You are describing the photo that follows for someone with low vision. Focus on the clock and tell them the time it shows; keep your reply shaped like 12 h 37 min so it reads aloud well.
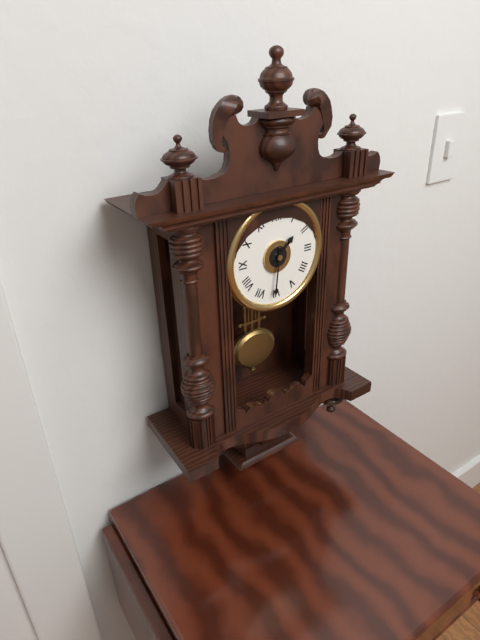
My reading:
1 h 31 min
